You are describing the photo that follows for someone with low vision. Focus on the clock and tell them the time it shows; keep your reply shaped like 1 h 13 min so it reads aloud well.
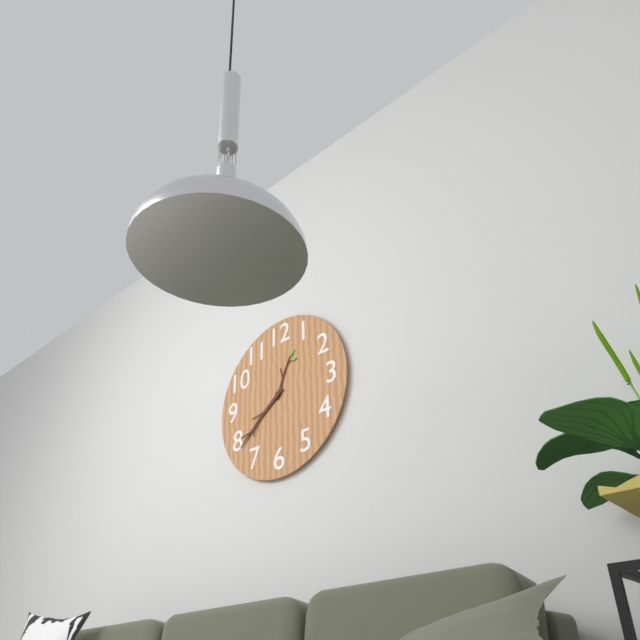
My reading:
12 h 39 min
